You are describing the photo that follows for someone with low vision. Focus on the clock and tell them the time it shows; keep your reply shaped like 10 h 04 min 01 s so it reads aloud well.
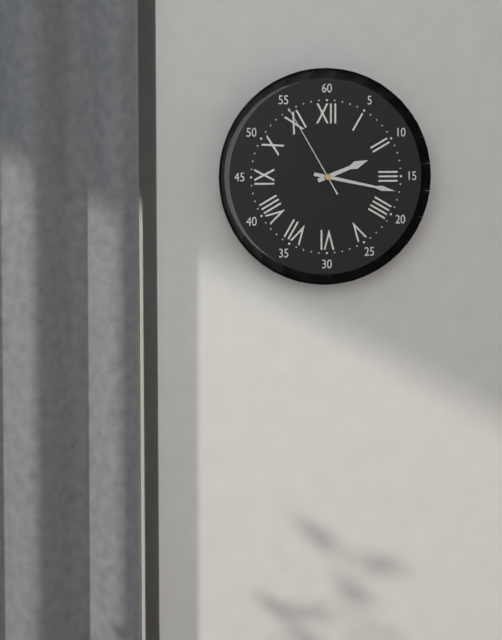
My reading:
2 h 17 min 55 s
